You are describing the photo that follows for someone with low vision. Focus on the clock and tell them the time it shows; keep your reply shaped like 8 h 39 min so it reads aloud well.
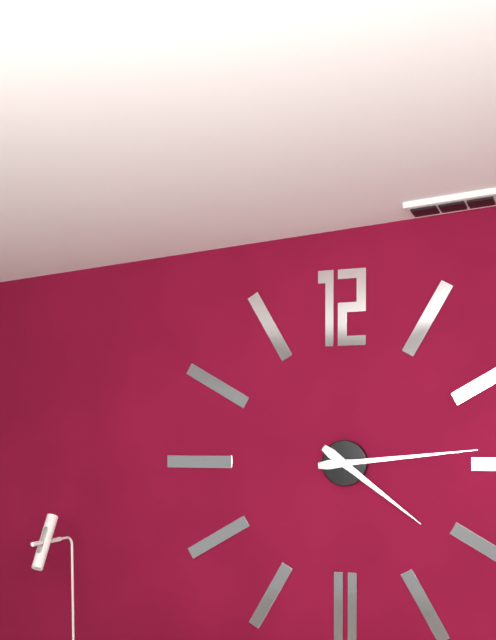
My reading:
4 h 14 min
